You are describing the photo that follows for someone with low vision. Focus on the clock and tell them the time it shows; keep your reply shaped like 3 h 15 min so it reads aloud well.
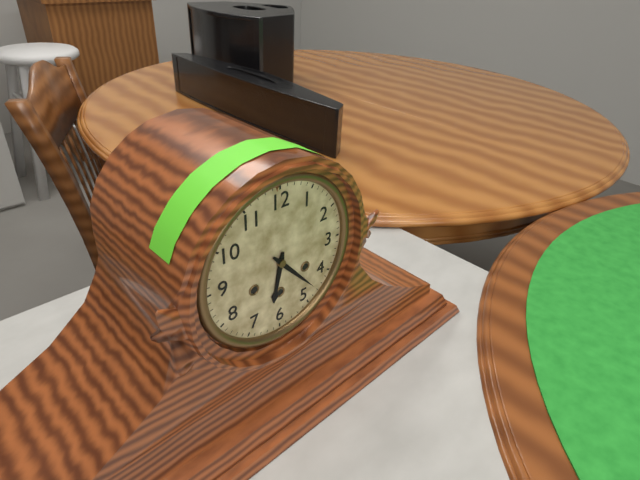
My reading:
6 h 23 min
